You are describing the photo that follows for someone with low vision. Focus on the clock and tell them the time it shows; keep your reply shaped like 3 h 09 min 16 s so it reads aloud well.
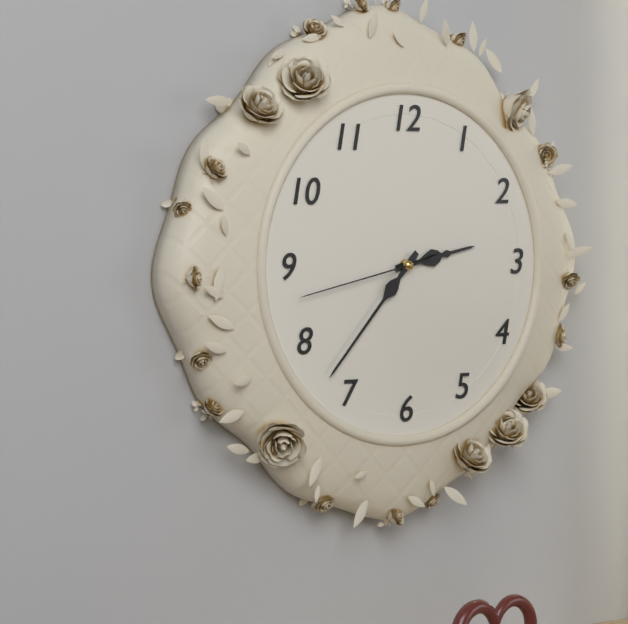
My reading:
2 h 37 min 43 s
